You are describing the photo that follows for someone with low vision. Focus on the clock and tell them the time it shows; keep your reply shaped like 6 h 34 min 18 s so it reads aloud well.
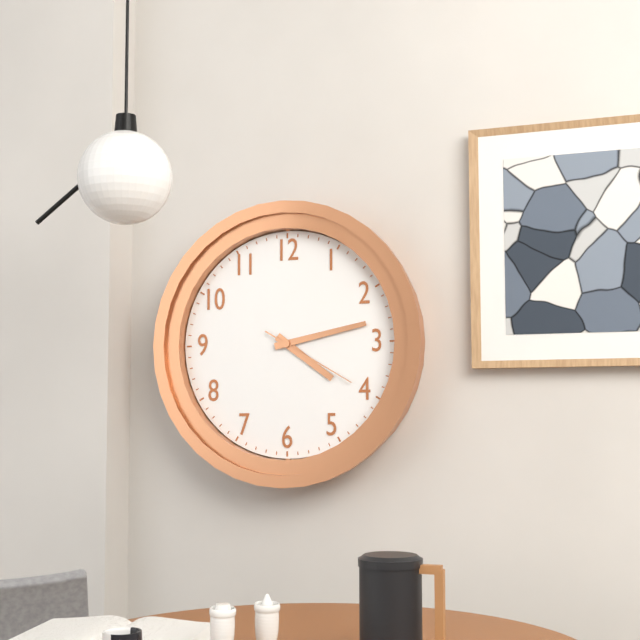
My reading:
4 h 13 min 20 s
